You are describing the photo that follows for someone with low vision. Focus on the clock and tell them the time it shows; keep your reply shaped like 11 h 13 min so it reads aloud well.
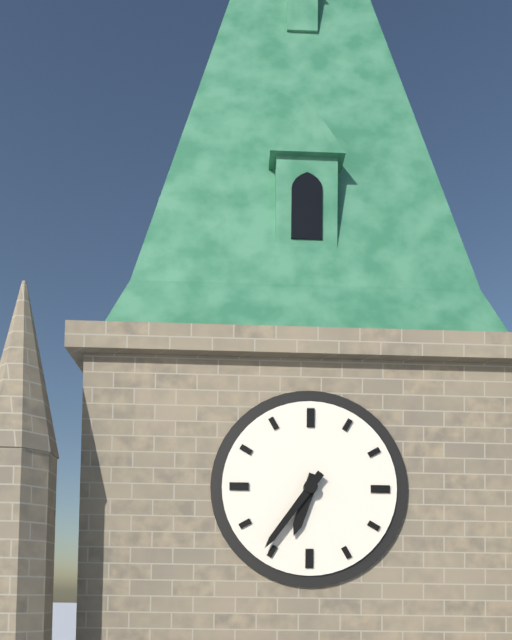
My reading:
6 h 36 min
